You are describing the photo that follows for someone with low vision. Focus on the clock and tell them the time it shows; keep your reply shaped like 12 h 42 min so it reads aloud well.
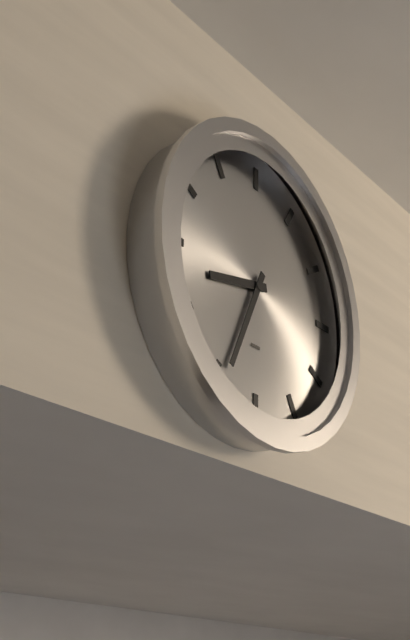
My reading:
8 h 34 min
